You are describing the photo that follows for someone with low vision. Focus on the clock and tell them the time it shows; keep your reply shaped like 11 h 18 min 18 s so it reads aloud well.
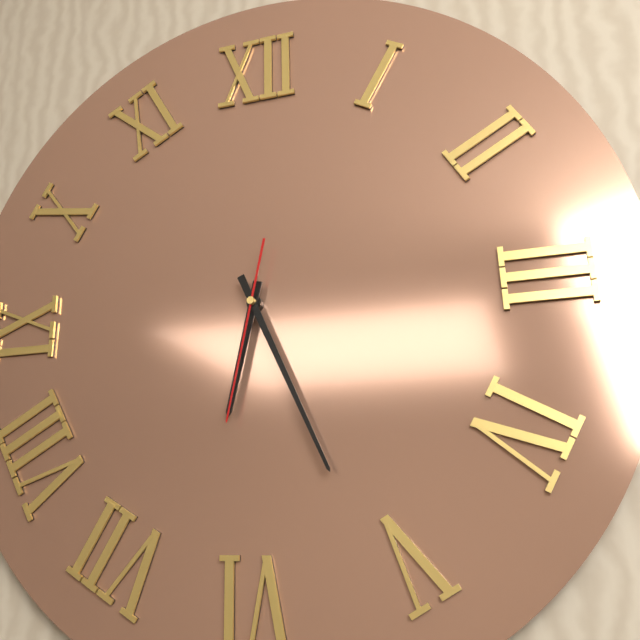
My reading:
6 h 26 min 32 s
